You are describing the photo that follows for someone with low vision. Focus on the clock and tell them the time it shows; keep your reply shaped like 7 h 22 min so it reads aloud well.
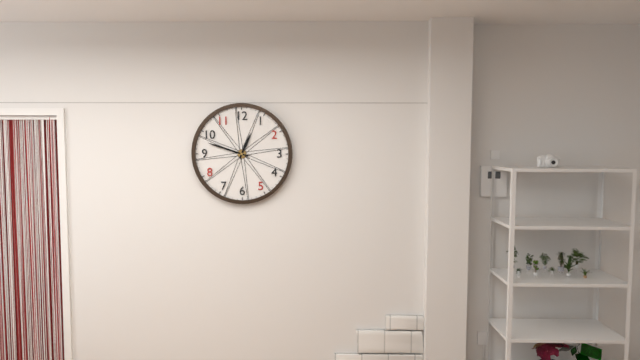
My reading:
12 h 48 min
